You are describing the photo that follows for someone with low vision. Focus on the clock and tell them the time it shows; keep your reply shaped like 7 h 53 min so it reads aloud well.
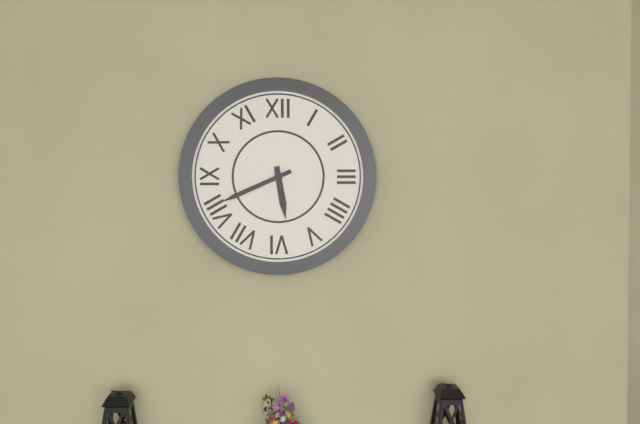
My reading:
5 h 41 min
